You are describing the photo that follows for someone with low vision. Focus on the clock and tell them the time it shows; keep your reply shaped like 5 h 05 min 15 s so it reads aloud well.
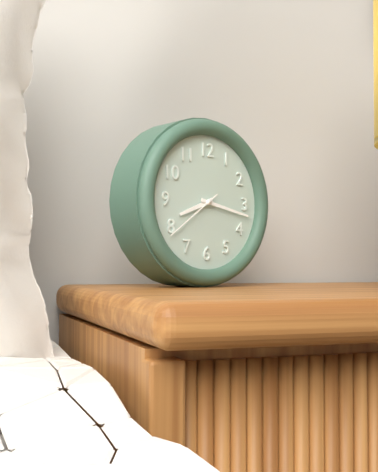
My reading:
8 h 17 min 39 s
